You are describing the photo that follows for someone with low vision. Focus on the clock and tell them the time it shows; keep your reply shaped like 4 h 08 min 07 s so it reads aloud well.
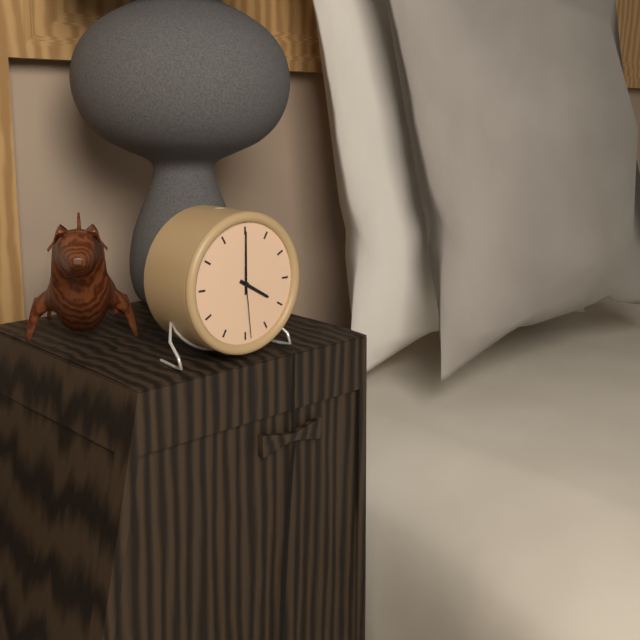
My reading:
4 h 00 min 29 s
